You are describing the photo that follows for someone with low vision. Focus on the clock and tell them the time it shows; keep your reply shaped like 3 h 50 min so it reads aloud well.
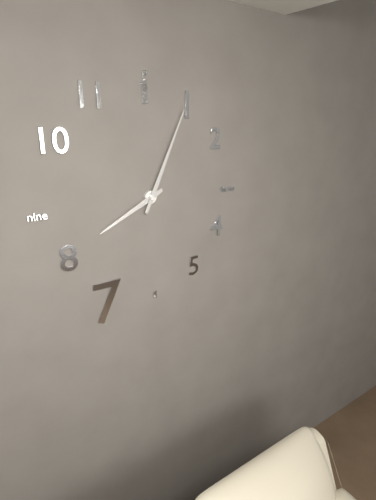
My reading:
8 h 04 min
